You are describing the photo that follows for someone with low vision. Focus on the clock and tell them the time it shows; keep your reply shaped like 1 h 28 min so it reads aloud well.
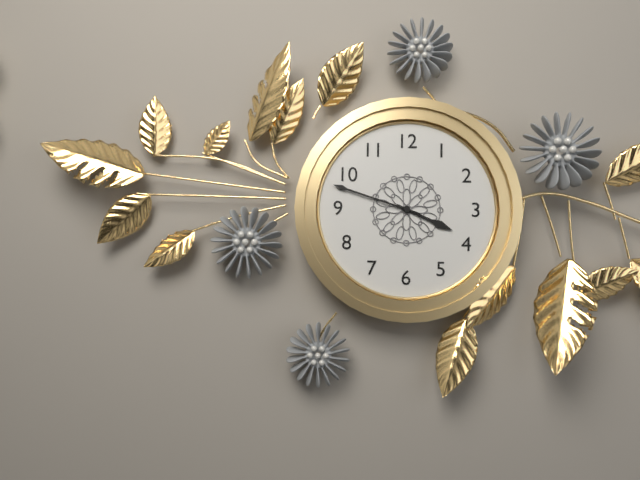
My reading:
3 h 48 min
